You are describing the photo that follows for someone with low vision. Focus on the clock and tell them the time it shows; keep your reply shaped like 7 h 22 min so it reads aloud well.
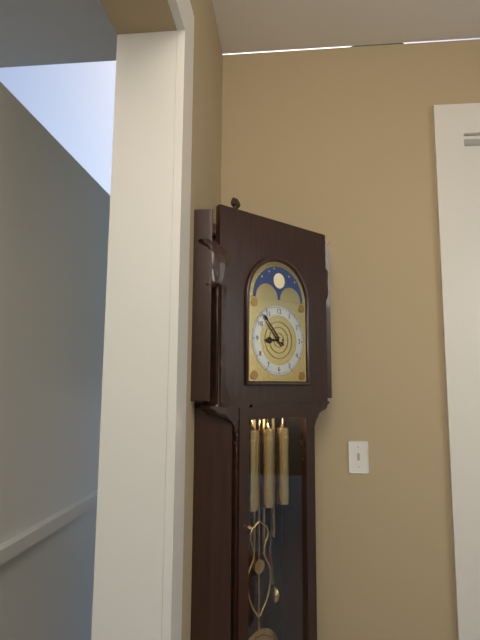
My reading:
8 h 53 min
